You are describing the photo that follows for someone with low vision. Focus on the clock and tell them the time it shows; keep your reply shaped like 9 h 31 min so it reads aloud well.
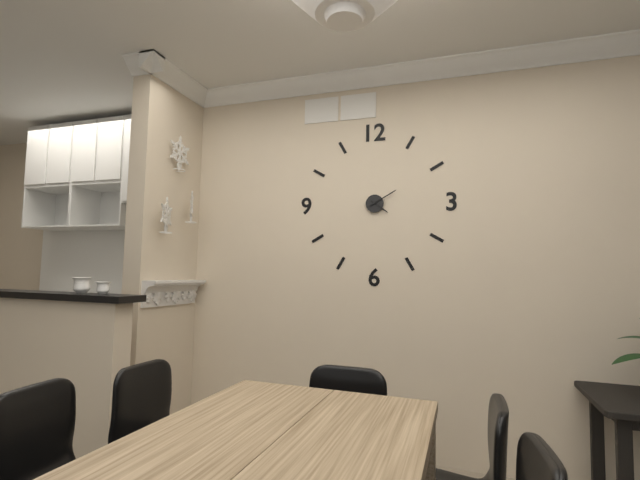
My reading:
4 h 10 min
